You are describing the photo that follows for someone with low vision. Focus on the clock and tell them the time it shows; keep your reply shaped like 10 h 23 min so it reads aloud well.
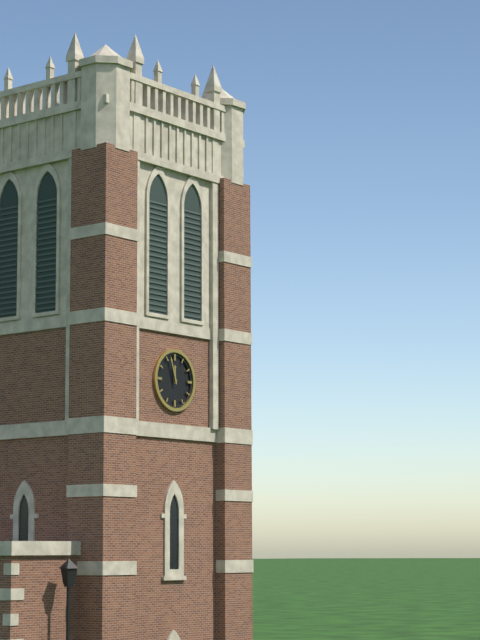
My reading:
11 h 57 min
